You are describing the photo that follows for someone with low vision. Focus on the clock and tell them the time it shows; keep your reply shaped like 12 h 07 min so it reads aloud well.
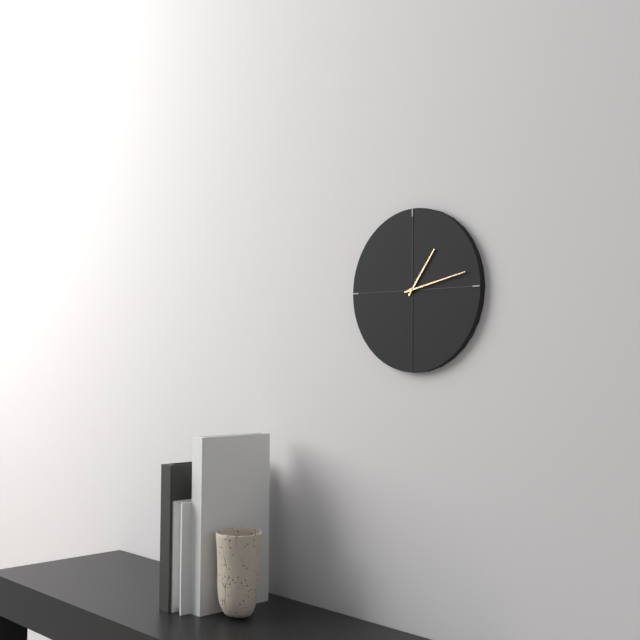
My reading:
1 h 13 min
